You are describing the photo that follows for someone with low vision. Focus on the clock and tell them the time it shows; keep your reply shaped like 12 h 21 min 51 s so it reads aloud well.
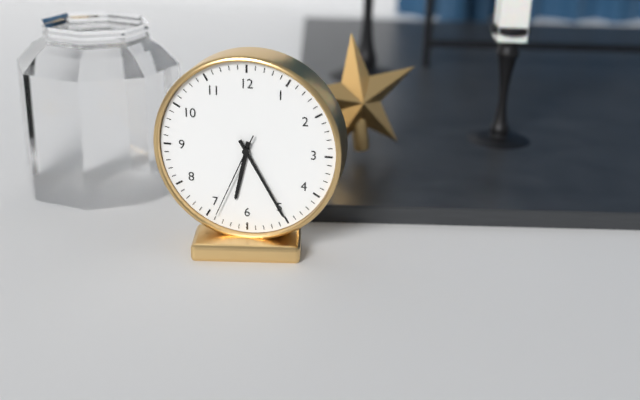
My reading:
6 h 25 min 34 s
